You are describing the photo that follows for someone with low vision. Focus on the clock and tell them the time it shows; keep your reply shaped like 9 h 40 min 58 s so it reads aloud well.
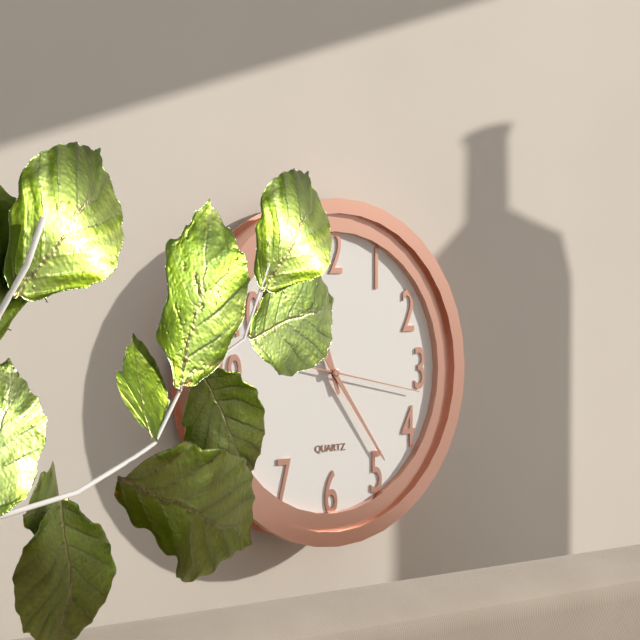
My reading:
11 h 24 min 17 s
